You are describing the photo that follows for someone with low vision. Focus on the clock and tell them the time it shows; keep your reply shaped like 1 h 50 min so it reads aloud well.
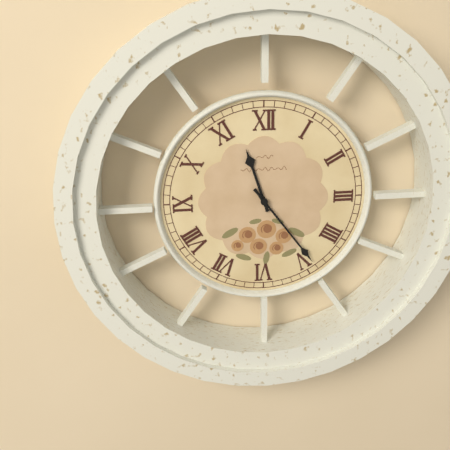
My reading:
11 h 24 min
